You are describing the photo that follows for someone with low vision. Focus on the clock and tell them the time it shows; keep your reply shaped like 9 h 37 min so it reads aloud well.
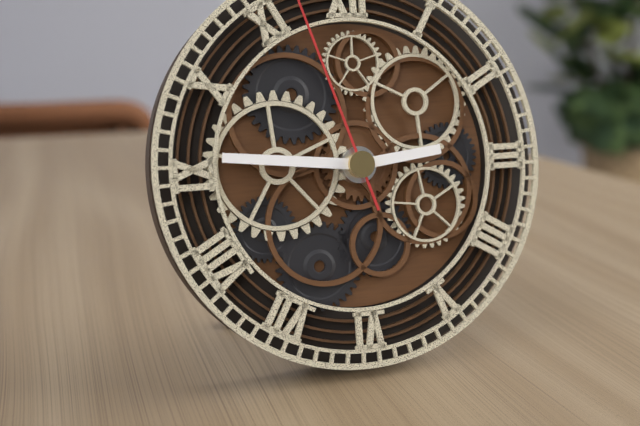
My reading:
2 h 46 min
